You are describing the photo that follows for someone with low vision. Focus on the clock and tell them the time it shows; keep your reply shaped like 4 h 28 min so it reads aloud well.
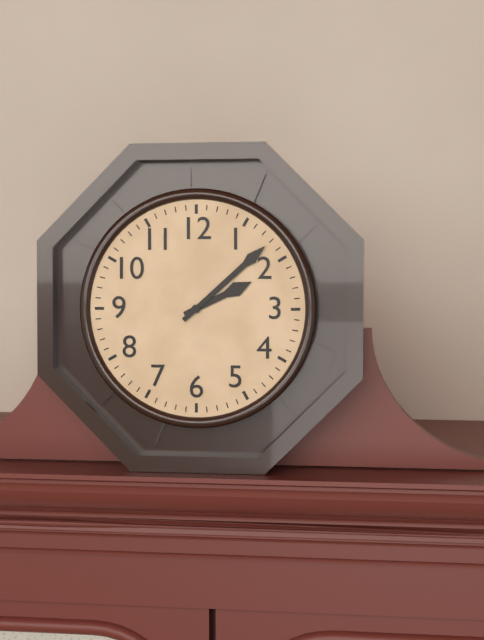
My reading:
2 h 08 min
